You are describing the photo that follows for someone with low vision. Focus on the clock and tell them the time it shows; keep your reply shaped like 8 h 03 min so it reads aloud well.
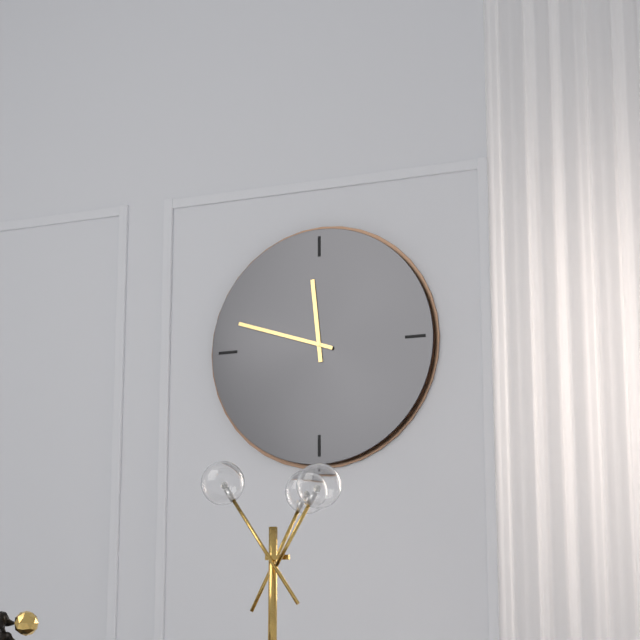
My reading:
11 h 48 min
